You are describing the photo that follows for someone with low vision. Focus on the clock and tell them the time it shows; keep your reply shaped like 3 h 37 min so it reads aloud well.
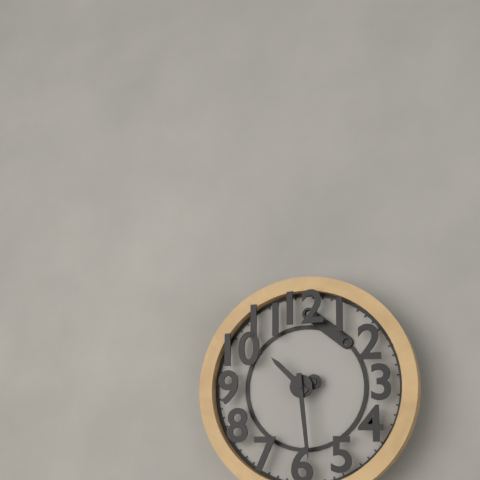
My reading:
10 h 29 min
